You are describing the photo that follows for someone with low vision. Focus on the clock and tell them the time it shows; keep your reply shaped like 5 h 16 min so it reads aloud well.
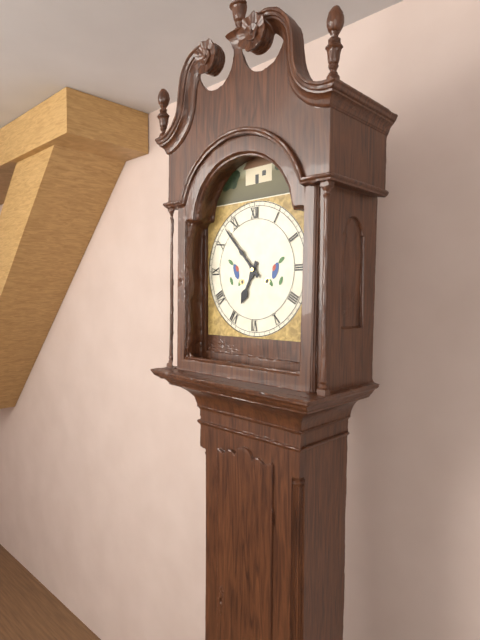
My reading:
6 h 53 min
